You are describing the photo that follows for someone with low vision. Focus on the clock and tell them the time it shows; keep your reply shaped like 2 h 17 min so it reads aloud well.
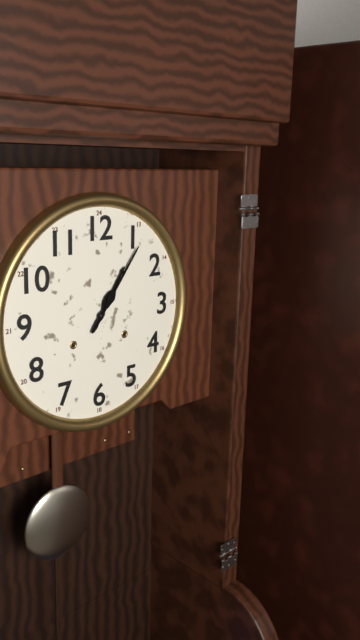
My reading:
1 h 06 min
